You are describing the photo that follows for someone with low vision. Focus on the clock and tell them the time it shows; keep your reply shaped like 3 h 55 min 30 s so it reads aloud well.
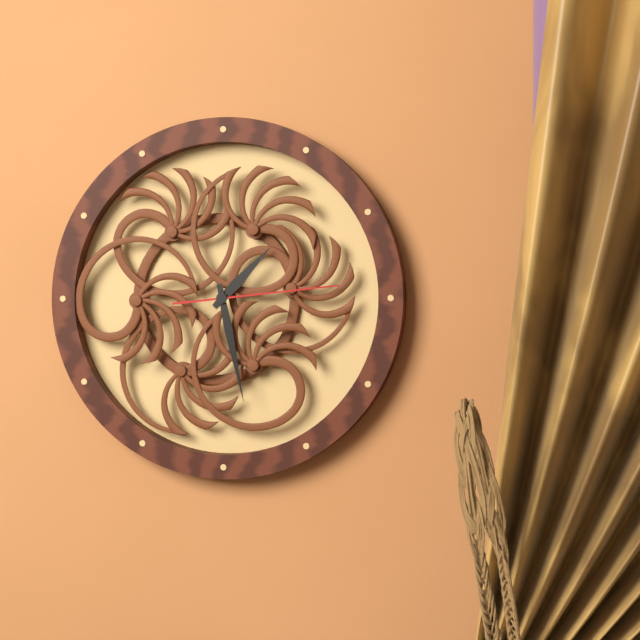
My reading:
1 h 28 min 14 s
